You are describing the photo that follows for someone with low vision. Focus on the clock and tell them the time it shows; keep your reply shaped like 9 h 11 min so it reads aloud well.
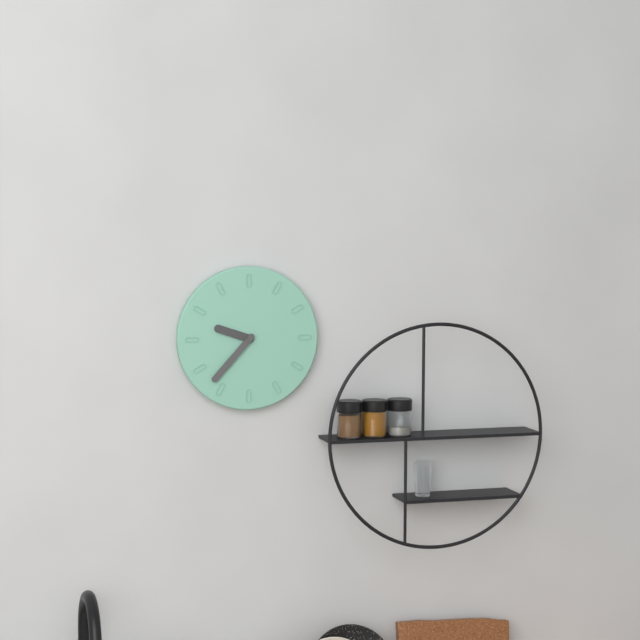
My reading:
9 h 37 min
